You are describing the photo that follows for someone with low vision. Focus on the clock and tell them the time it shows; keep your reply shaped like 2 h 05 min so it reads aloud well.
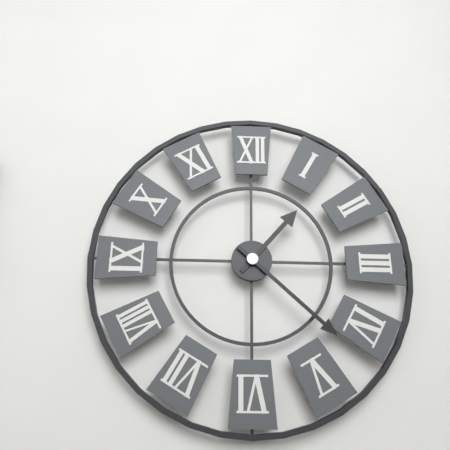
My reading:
1 h 22 min
